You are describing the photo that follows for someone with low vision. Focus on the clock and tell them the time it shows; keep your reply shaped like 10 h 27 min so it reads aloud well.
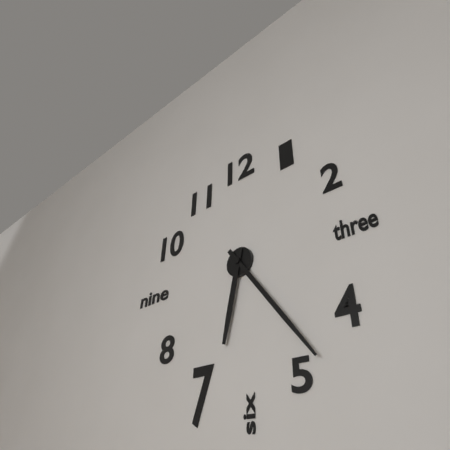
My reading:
6 h 24 min
